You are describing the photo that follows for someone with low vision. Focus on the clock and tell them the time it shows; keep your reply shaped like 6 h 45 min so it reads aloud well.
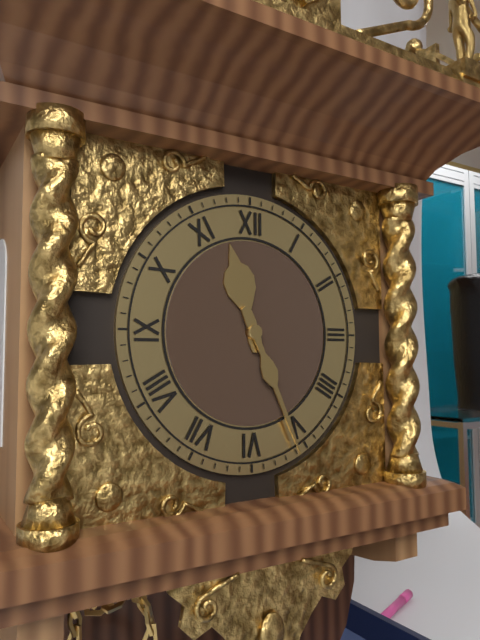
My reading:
11 h 26 min
